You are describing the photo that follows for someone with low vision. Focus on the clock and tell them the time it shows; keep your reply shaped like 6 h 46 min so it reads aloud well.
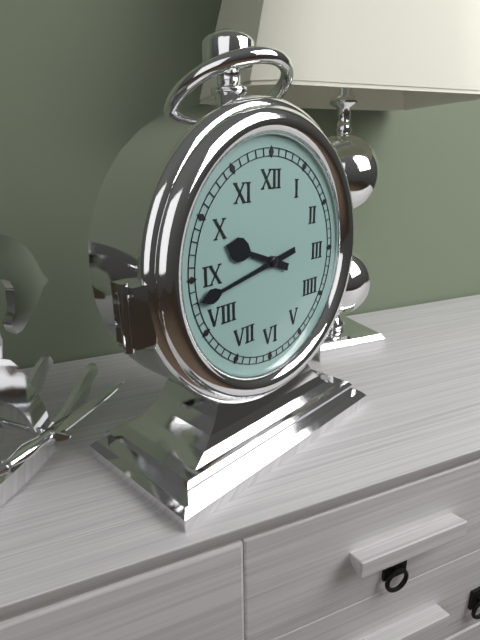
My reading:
9 h 43 min
